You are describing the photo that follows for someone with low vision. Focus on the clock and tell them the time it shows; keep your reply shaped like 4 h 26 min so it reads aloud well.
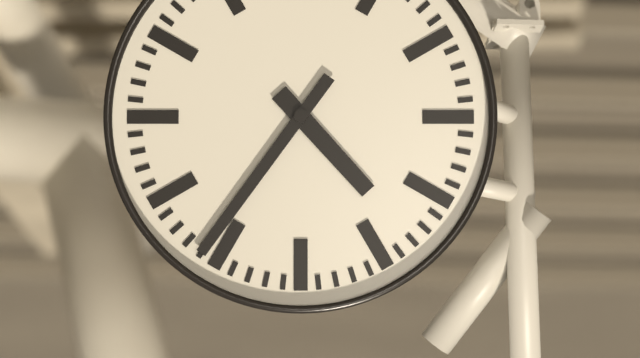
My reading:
4 h 36 min
